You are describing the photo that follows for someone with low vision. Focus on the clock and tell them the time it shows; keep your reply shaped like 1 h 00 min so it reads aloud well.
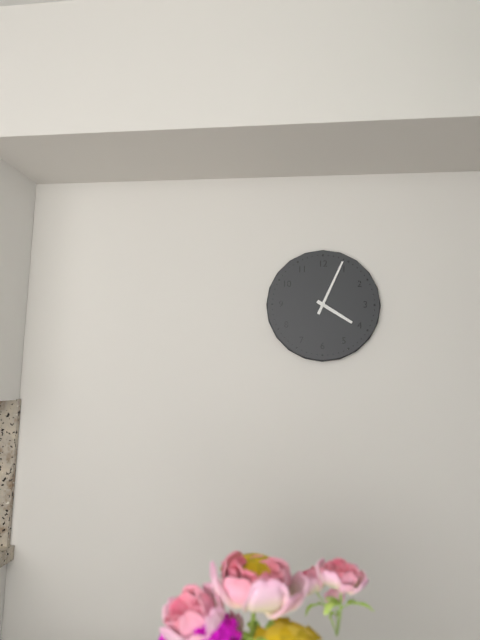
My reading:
4 h 04 min
